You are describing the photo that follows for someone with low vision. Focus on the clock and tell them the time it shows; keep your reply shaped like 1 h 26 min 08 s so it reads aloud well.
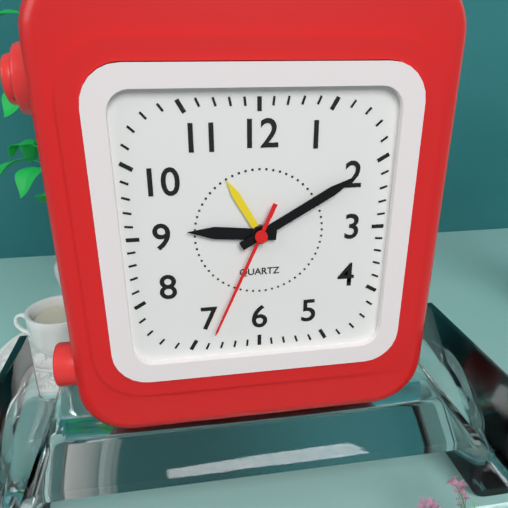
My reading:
9 h 10 min 34 s
